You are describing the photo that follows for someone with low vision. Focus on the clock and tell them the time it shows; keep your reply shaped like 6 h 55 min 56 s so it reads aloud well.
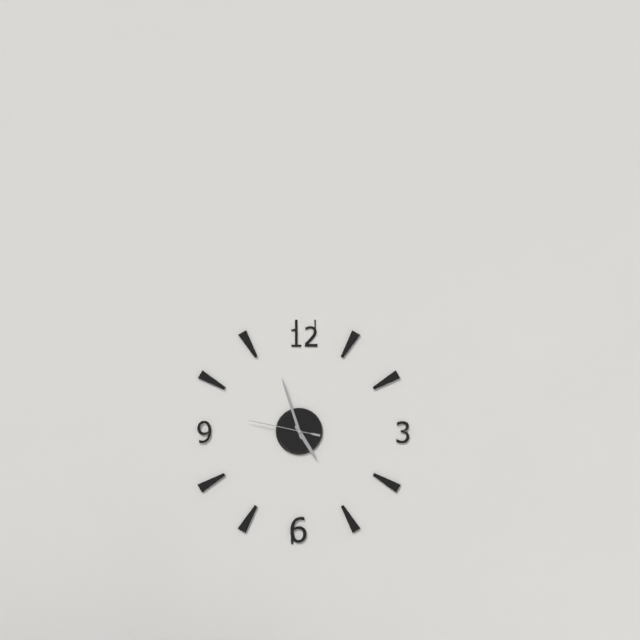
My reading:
4 h 57 min 47 s
